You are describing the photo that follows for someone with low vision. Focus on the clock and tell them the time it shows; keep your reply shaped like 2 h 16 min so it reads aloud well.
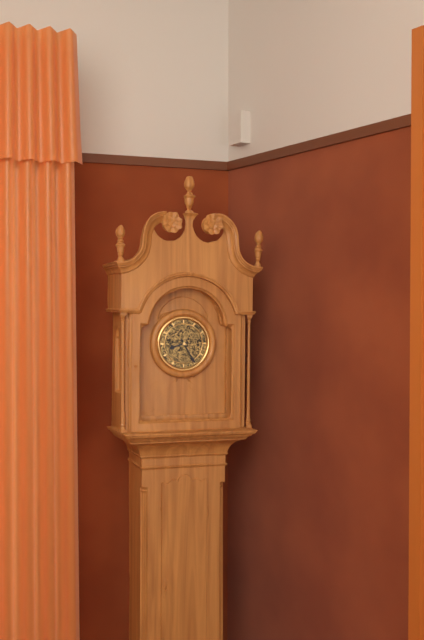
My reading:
8 h 25 min
